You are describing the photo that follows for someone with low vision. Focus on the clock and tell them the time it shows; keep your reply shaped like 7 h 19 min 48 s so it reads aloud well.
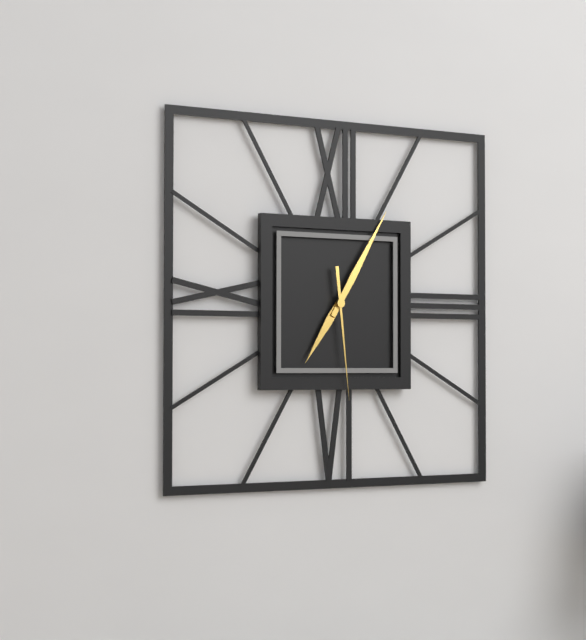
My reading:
7 h 05 min 29 s
